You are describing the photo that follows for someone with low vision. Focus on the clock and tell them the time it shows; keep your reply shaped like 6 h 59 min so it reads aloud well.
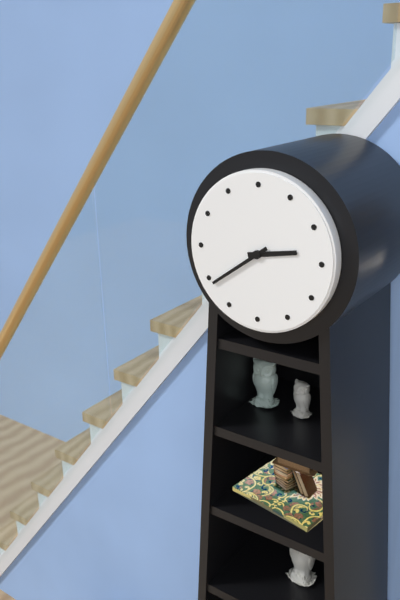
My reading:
2 h 39 min
